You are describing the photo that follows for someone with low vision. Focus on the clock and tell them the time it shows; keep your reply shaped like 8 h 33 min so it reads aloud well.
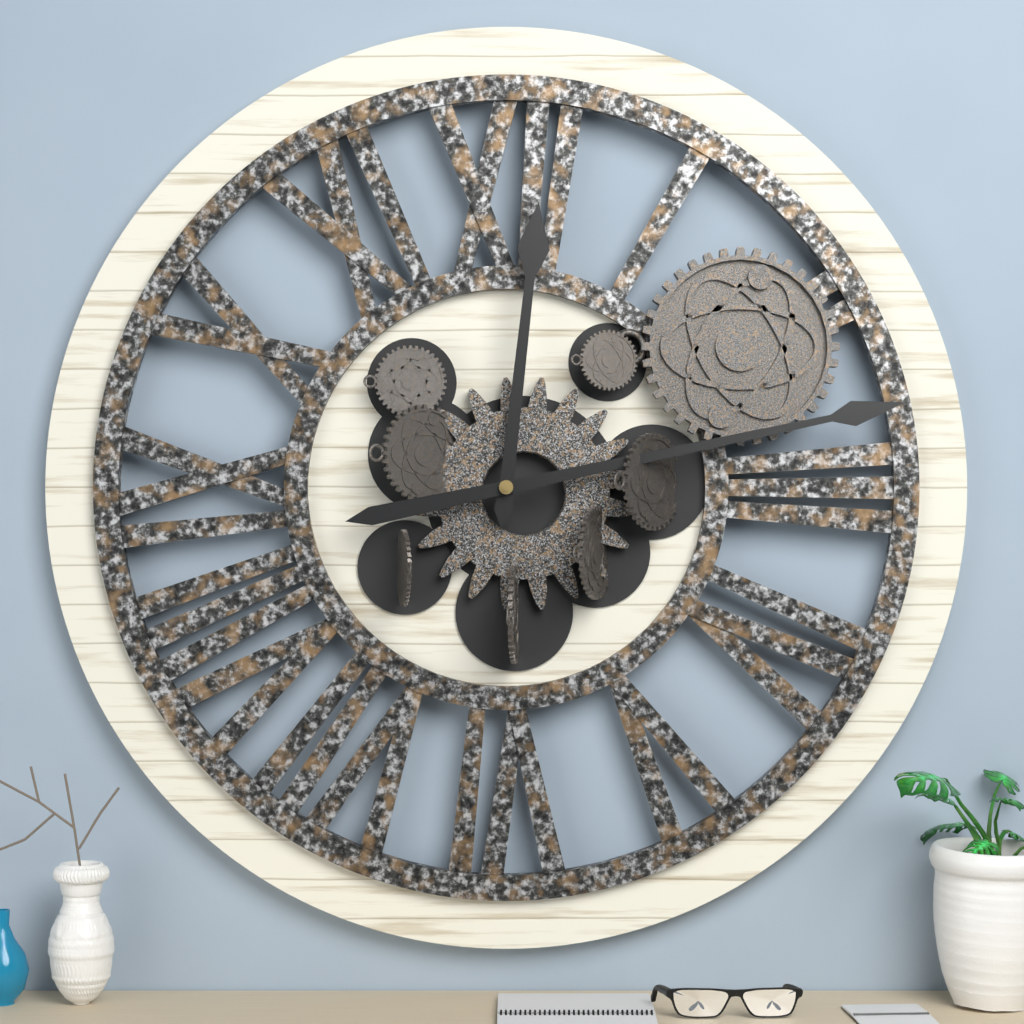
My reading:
12 h 13 min
